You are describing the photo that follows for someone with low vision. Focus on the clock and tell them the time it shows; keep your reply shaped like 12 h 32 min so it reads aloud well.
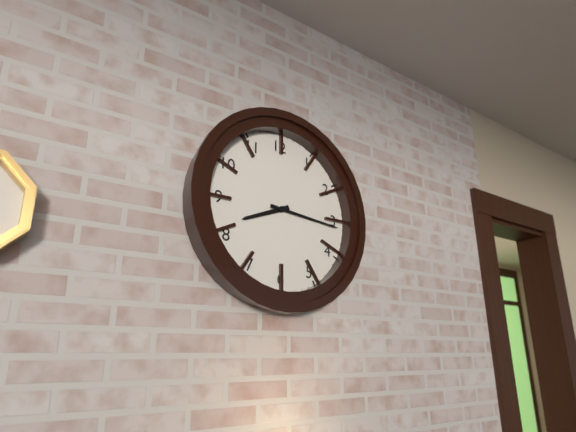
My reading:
8 h 16 min
